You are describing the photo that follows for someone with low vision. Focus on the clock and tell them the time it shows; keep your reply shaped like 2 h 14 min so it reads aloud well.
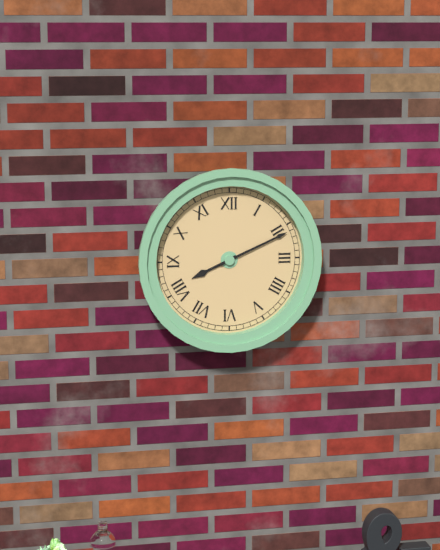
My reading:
8 h 11 min
